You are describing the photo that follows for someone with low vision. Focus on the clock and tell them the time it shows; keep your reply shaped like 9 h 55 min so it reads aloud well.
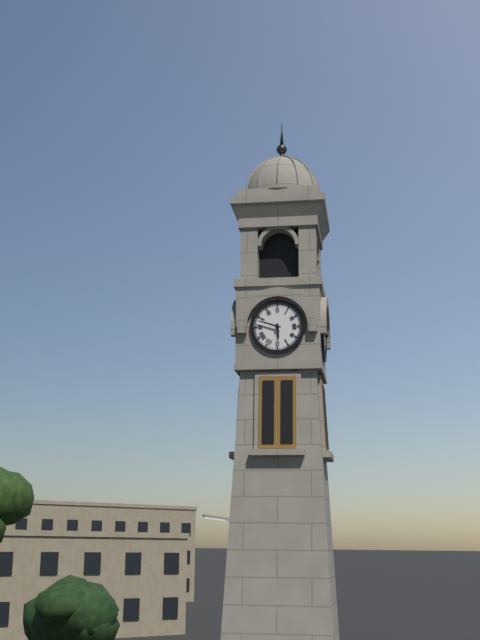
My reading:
5 h 48 min
